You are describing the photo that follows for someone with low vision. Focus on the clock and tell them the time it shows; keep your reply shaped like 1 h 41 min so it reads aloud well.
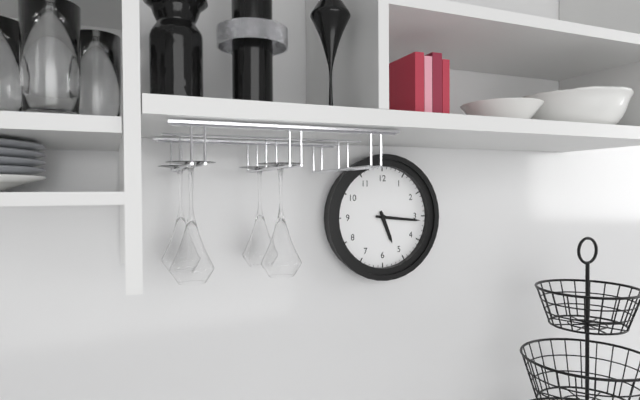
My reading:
5 h 16 min
